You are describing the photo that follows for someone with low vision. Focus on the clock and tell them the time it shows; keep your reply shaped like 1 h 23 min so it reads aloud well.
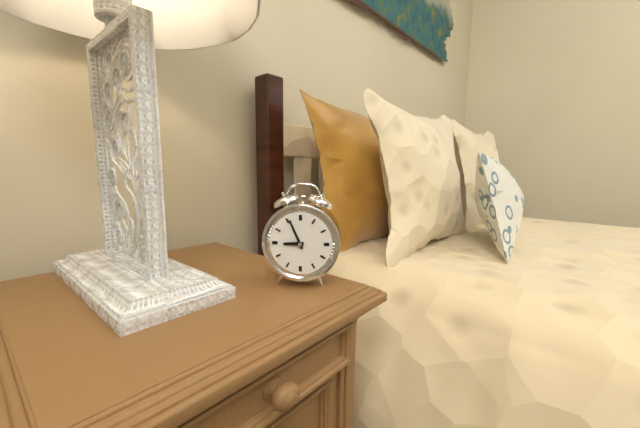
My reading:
8 h 56 min
